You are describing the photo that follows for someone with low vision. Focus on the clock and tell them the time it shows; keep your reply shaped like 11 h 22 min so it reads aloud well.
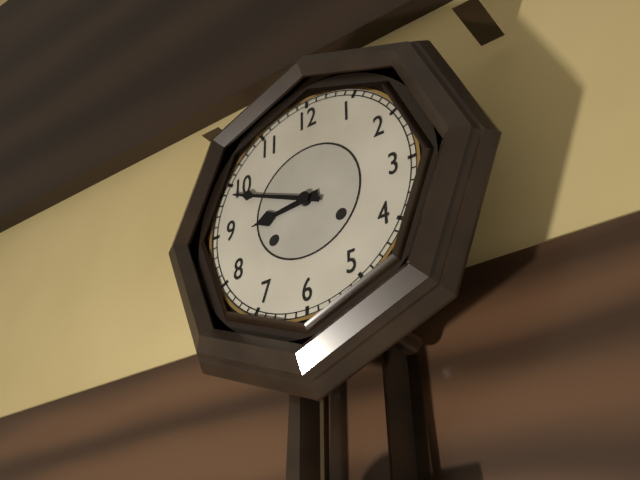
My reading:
8 h 49 min
